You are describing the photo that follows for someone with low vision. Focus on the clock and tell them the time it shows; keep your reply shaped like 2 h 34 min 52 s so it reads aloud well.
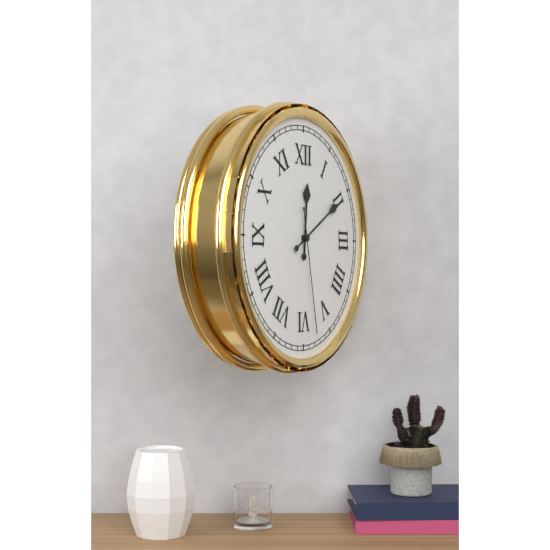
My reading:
12 h 10 min 28 s
